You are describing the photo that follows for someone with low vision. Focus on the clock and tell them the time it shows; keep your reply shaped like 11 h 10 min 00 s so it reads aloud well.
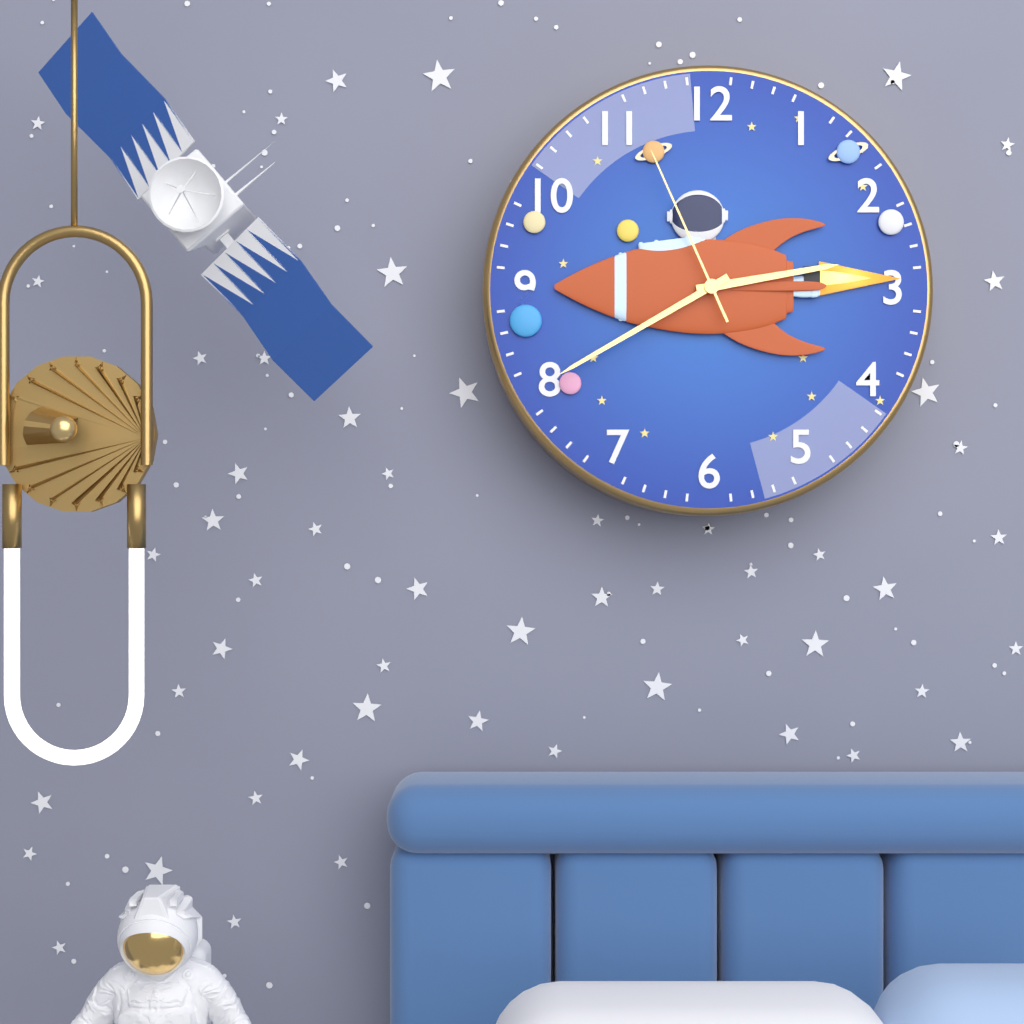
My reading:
2 h 40 min 56 s
